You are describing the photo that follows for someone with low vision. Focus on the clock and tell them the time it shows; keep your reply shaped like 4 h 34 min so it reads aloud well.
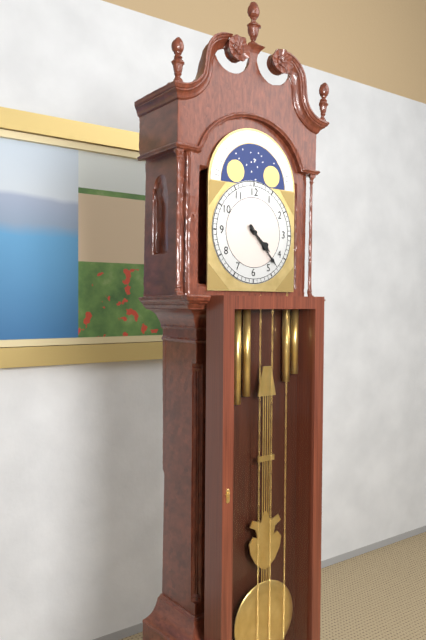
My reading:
4 h 23 min
